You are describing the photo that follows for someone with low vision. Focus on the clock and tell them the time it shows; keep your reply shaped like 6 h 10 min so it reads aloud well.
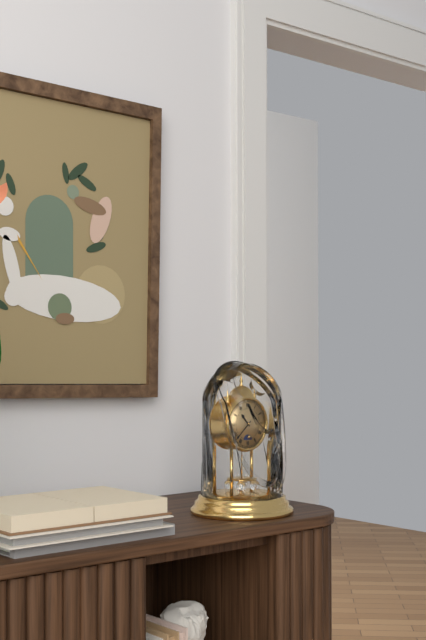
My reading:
10 h 38 min
